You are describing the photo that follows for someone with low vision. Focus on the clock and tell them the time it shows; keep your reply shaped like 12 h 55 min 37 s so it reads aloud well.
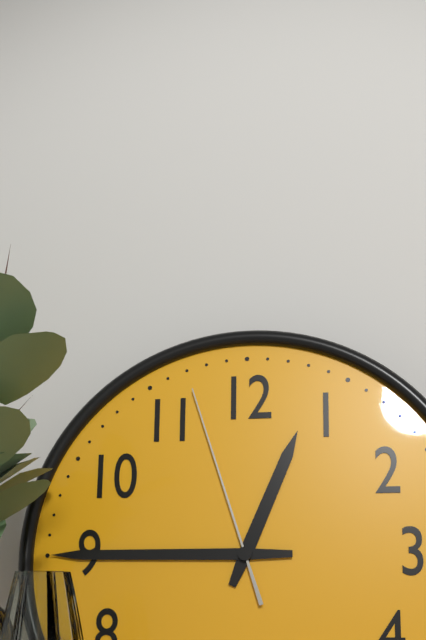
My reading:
12 h 45 min 57 s
